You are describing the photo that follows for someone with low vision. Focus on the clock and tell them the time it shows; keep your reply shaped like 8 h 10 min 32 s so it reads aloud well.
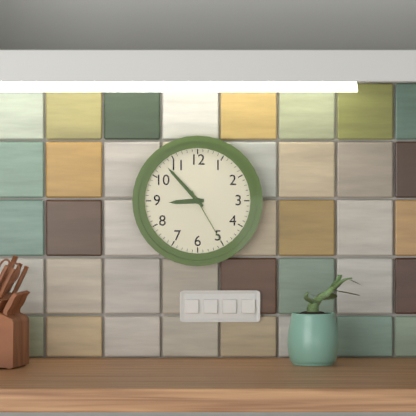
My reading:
8 h 53 min 25 s
